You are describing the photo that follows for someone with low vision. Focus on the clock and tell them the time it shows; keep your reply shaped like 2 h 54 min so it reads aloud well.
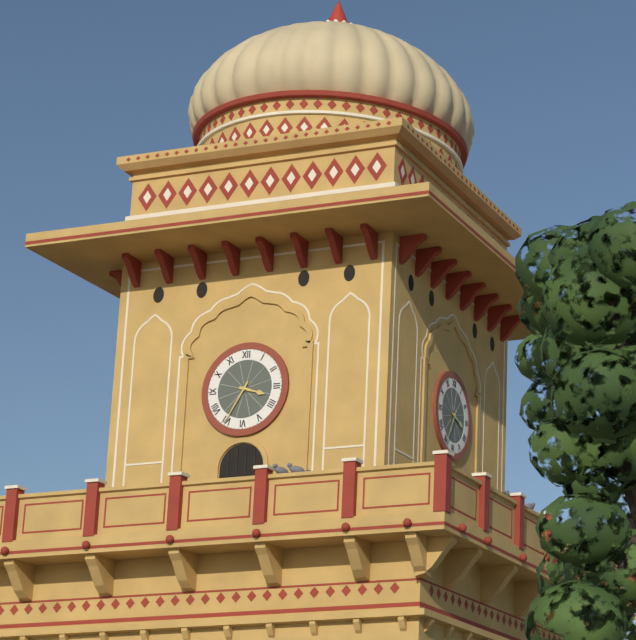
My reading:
3 h 35 min
